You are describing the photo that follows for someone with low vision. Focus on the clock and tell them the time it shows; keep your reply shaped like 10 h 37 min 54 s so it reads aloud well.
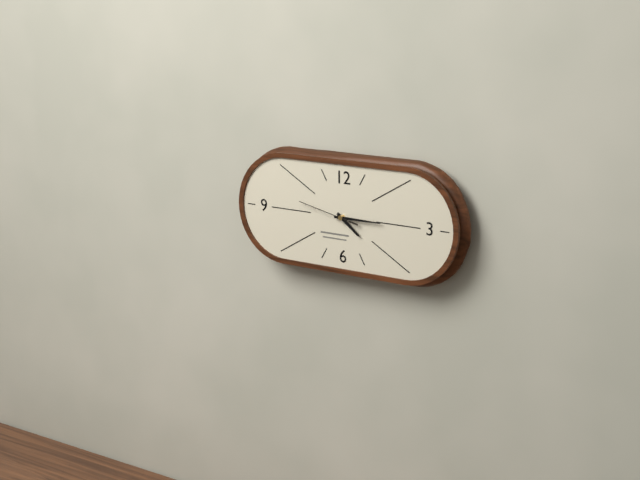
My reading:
4 h 15 min 47 s
